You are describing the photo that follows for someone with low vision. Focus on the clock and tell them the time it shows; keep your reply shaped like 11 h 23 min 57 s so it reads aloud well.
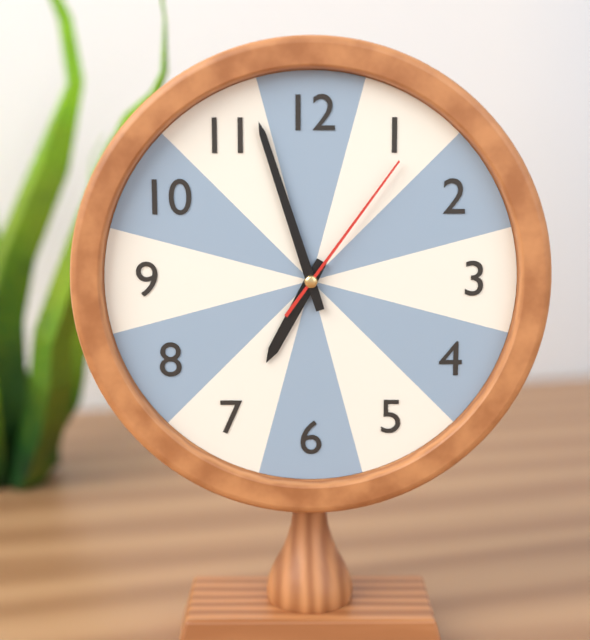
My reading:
6 h 57 min 06 s
